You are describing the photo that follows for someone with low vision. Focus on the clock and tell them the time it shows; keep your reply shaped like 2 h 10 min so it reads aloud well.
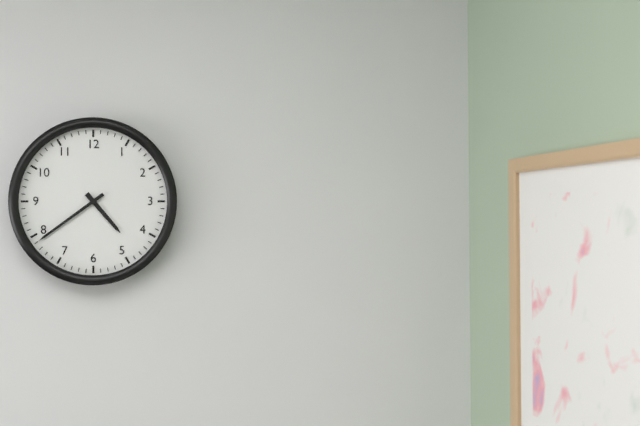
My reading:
4 h 39 min
